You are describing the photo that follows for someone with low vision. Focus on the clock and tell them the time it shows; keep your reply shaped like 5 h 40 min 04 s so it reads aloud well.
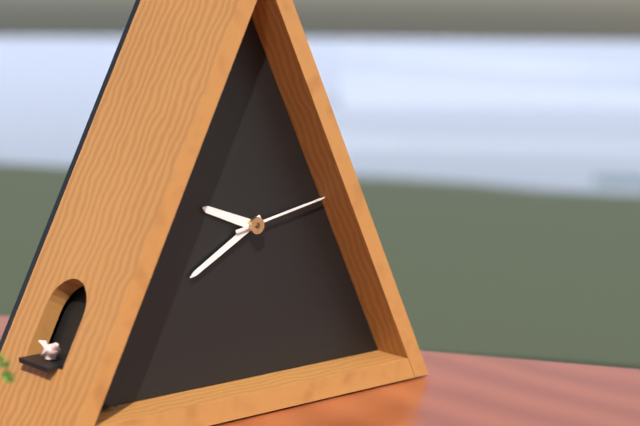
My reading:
9 h 40 min 13 s
